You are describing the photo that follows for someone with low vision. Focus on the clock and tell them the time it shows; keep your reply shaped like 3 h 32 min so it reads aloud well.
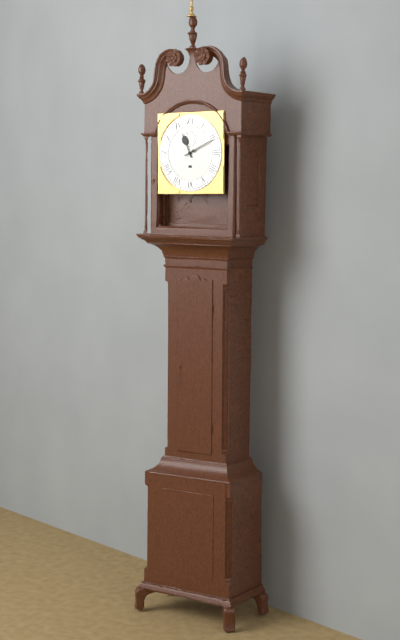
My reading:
11 h 11 min
